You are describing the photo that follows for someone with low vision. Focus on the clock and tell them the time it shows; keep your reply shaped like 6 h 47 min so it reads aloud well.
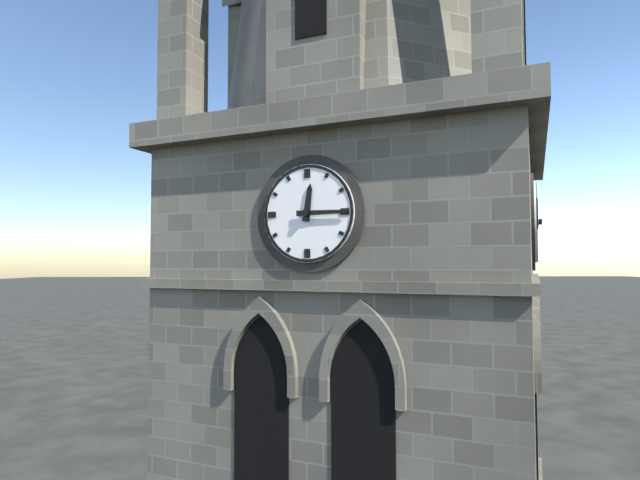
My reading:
12 h 15 min
